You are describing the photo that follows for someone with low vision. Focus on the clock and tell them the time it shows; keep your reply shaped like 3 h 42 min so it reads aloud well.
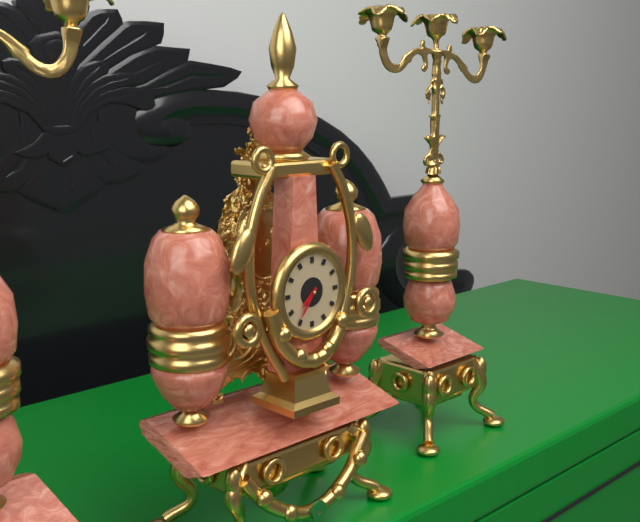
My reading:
7 h 36 min
